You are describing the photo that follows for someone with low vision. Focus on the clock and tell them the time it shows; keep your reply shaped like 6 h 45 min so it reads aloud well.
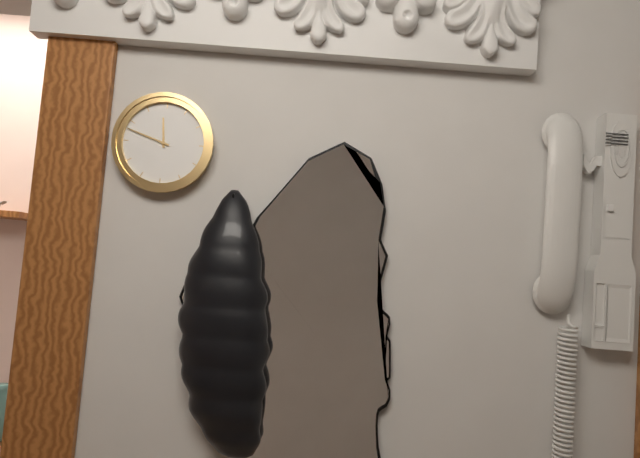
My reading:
11 h 48 min
